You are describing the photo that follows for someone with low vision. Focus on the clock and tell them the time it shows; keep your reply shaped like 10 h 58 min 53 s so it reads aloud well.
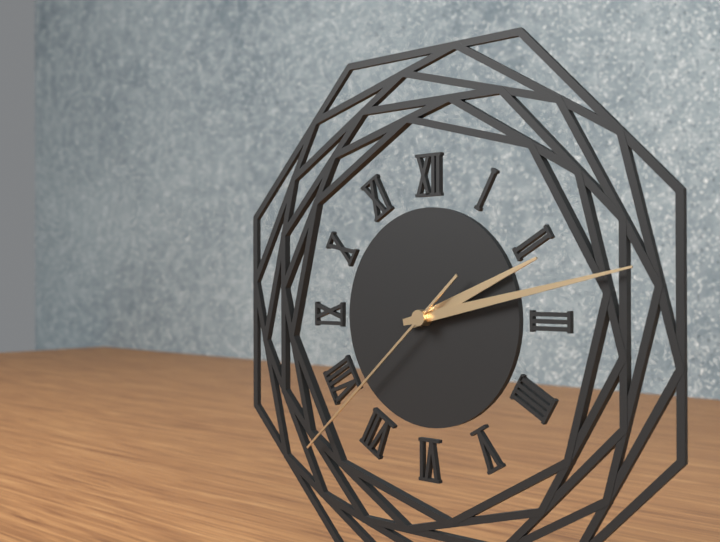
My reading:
2 h 13 min 38 s
